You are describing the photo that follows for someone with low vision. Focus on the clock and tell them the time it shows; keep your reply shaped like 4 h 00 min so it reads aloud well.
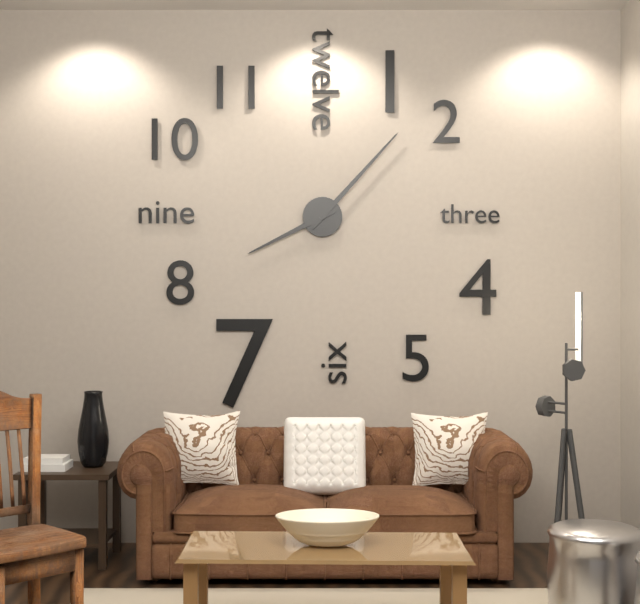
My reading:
8 h 07 min
